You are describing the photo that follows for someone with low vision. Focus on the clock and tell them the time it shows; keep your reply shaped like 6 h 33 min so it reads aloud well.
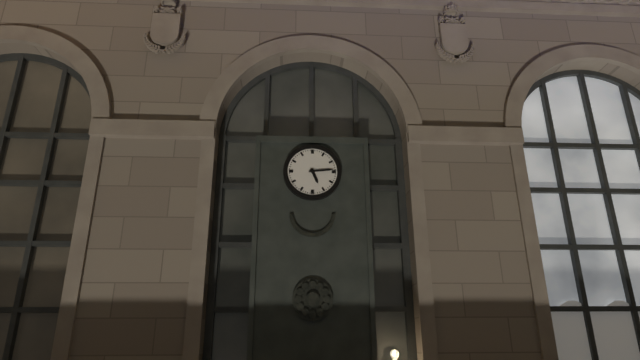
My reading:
5 h 14 min
